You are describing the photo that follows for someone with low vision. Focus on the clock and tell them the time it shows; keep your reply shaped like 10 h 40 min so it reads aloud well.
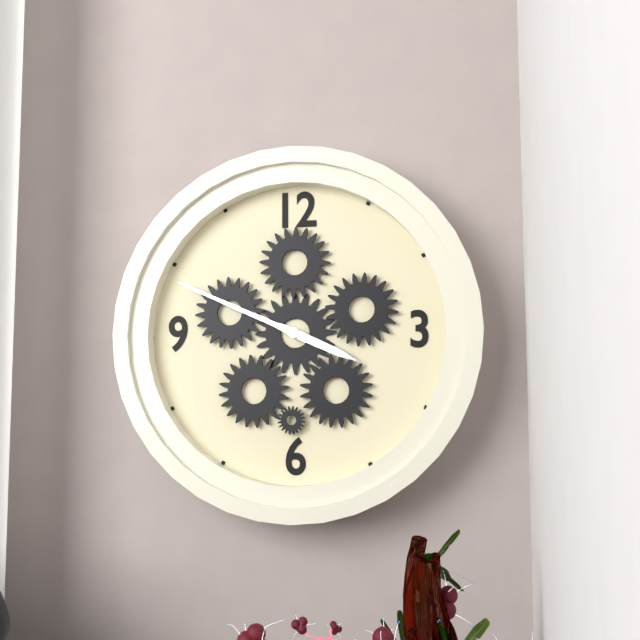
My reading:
3 h 49 min
